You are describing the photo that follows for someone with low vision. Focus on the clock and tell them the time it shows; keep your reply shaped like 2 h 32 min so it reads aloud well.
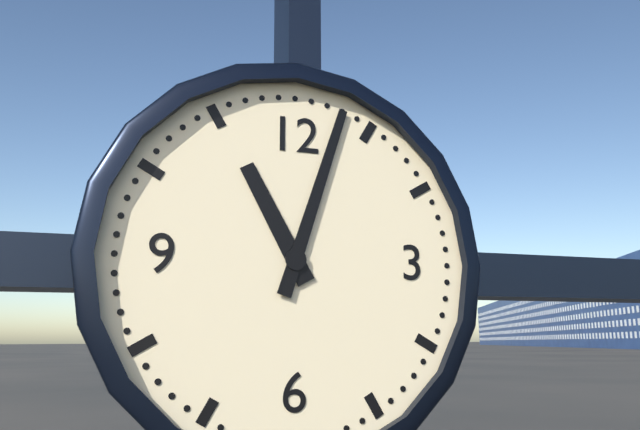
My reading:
11 h 03 min
